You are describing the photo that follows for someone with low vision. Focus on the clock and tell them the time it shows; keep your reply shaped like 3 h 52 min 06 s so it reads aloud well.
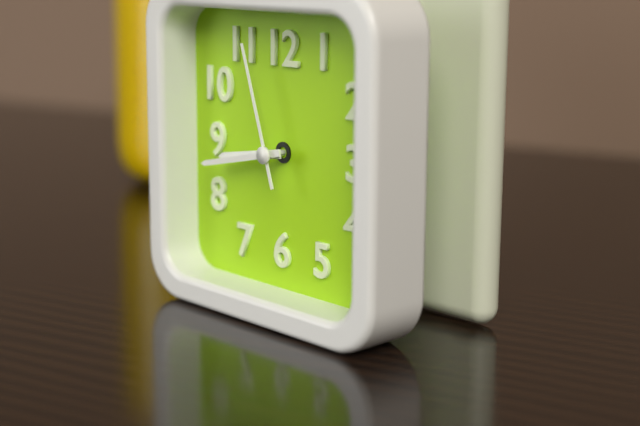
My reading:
8 h 43 min 57 s
